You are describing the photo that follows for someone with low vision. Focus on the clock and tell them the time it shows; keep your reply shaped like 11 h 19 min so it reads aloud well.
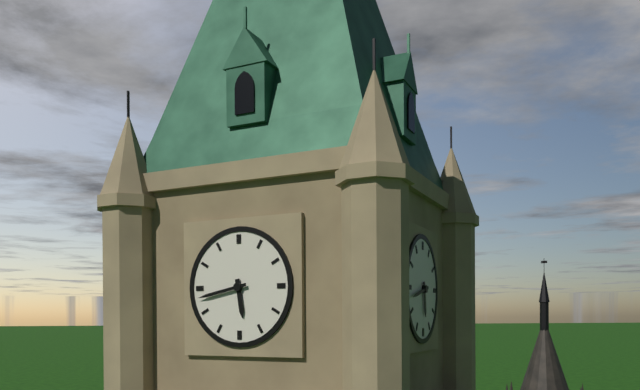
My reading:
5 h 43 min
